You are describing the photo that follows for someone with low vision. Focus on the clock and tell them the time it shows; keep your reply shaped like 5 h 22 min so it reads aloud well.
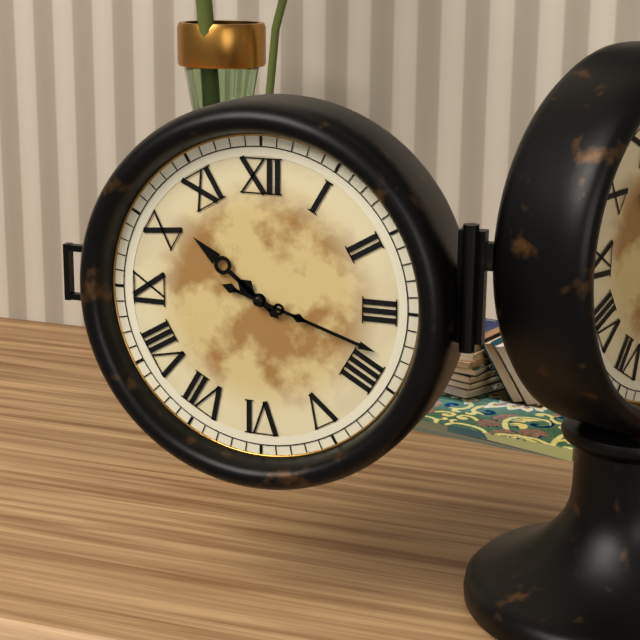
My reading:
10 h 18 min
